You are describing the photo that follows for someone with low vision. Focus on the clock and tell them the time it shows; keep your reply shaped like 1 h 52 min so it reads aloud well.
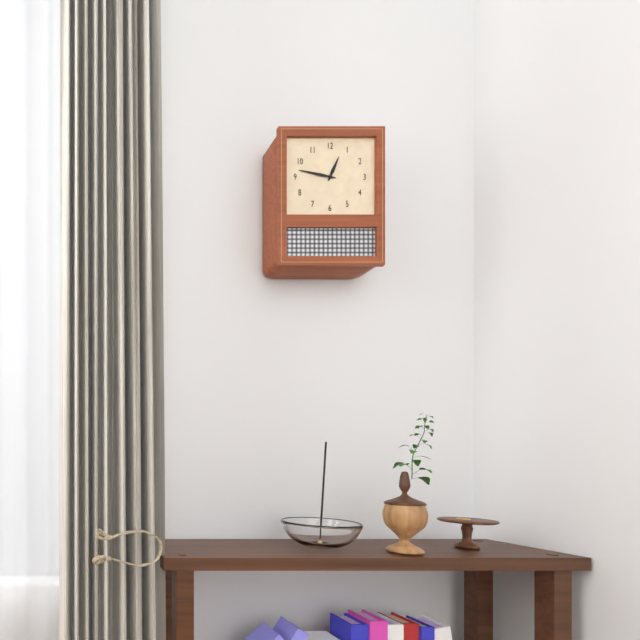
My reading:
12 h 47 min
